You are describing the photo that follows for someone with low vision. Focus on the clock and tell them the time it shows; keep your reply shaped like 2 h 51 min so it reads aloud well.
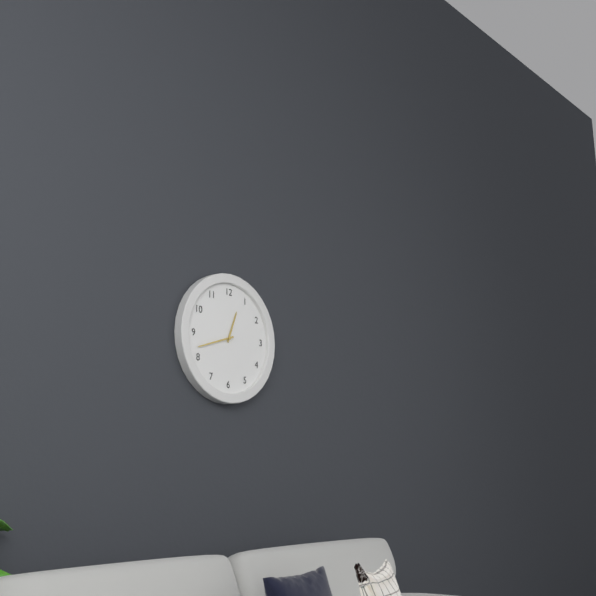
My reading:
12 h 42 min
